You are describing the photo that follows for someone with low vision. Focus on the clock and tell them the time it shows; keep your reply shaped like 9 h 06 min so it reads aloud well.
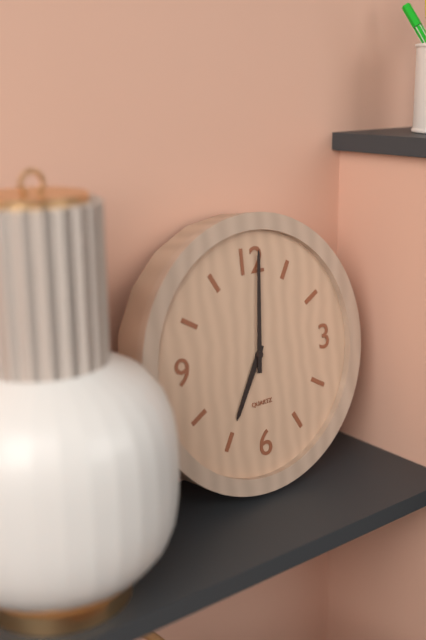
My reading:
7 h 01 min
